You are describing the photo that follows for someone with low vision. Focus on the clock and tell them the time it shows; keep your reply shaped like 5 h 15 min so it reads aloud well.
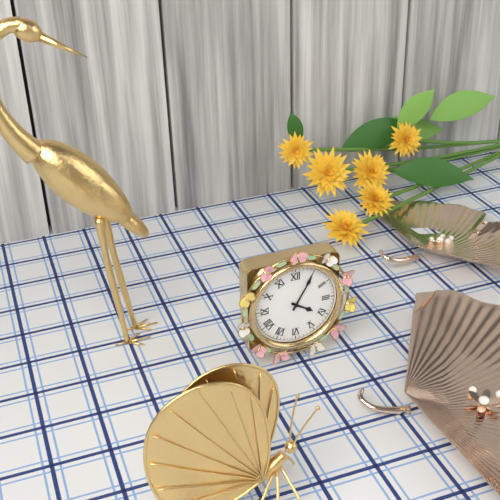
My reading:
4 h 05 min
